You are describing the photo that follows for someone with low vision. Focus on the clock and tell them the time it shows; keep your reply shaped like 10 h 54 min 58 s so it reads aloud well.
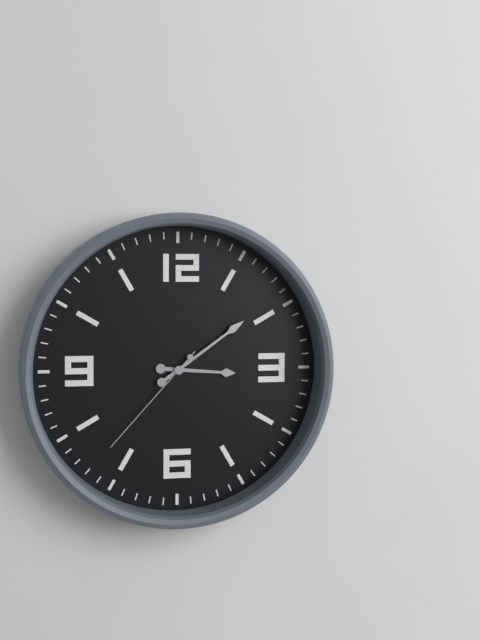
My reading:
3 h 09 min 37 s
